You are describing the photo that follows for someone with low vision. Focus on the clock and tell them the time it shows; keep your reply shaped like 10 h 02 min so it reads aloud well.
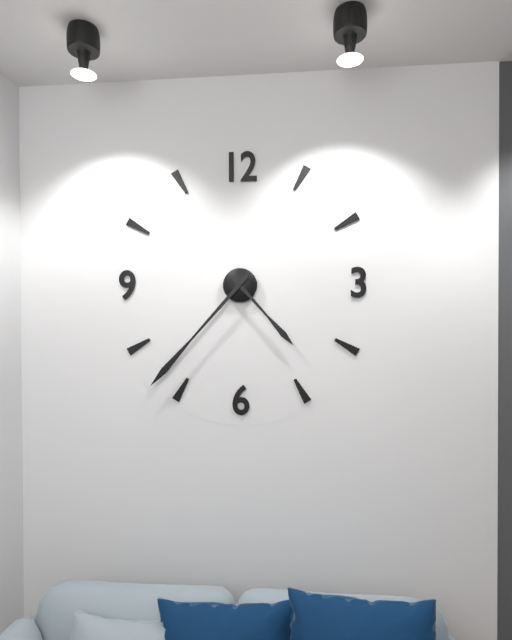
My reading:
4 h 37 min
